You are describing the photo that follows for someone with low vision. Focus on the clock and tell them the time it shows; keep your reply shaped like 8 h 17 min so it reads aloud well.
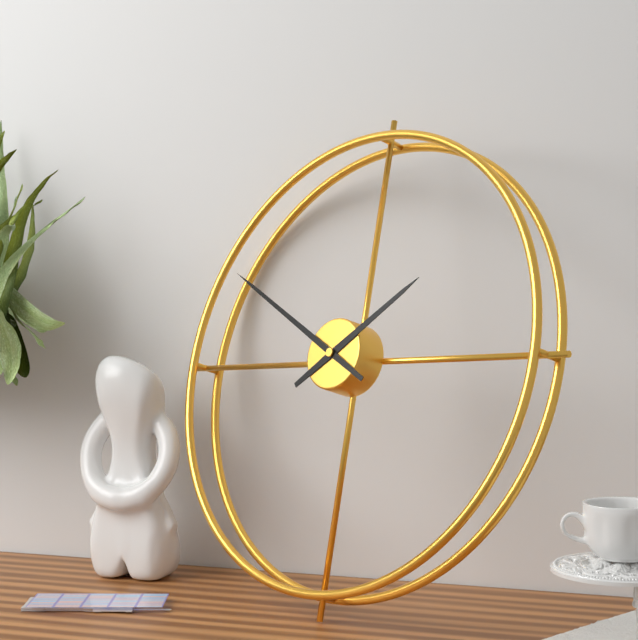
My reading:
1 h 50 min
